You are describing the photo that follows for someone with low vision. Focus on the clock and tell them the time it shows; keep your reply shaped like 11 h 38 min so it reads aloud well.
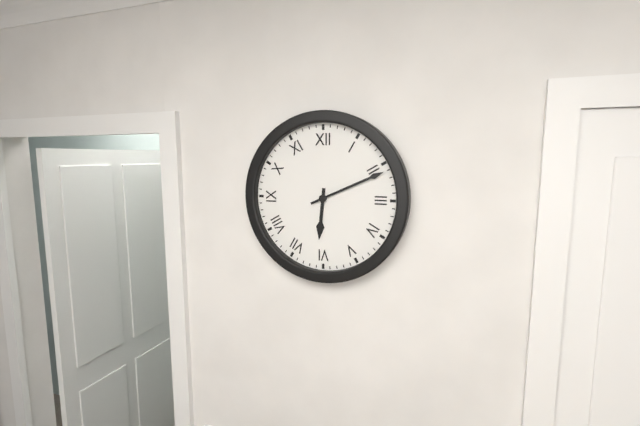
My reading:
6 h 11 min
